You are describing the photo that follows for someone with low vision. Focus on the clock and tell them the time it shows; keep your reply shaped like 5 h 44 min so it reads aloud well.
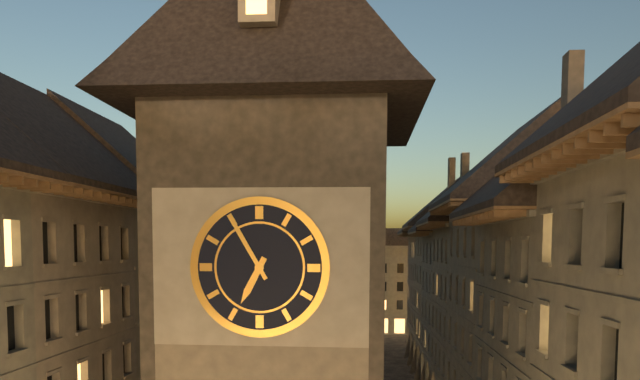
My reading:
6 h 55 min
